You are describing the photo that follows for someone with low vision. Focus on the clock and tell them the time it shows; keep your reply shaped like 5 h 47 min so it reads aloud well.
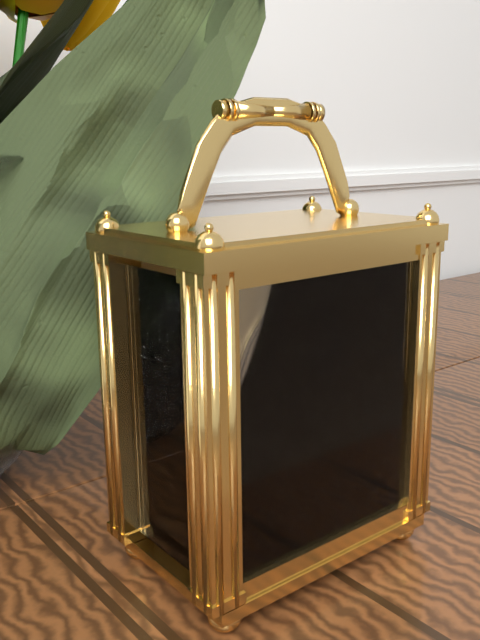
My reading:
10 h 58 min
